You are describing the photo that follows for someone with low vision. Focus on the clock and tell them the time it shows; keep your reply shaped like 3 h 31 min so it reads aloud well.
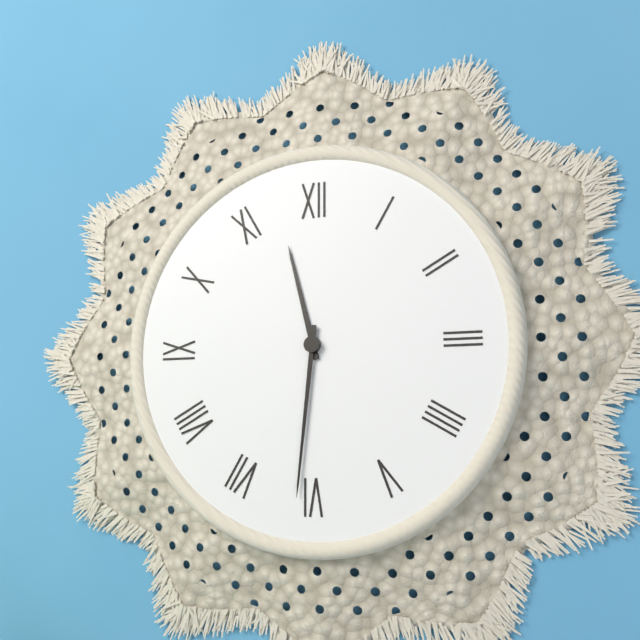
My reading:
11 h 31 min
